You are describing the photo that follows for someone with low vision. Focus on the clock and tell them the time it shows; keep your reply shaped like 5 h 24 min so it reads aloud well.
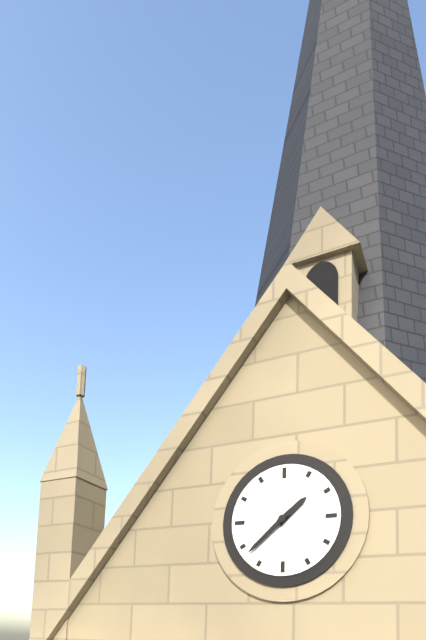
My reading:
1 h 38 min
